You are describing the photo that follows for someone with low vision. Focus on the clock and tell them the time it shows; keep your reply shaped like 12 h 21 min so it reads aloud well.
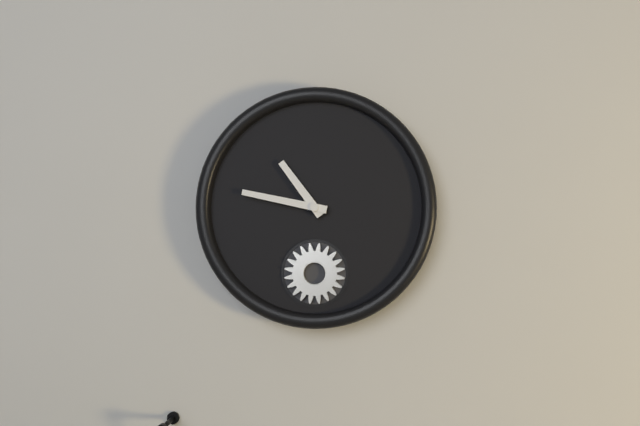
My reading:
10 h 47 min
